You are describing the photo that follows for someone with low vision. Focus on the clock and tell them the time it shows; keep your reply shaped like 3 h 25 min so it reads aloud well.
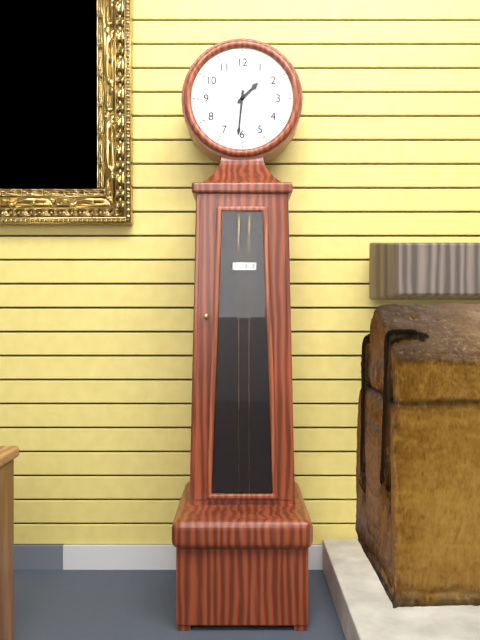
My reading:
1 h 31 min
